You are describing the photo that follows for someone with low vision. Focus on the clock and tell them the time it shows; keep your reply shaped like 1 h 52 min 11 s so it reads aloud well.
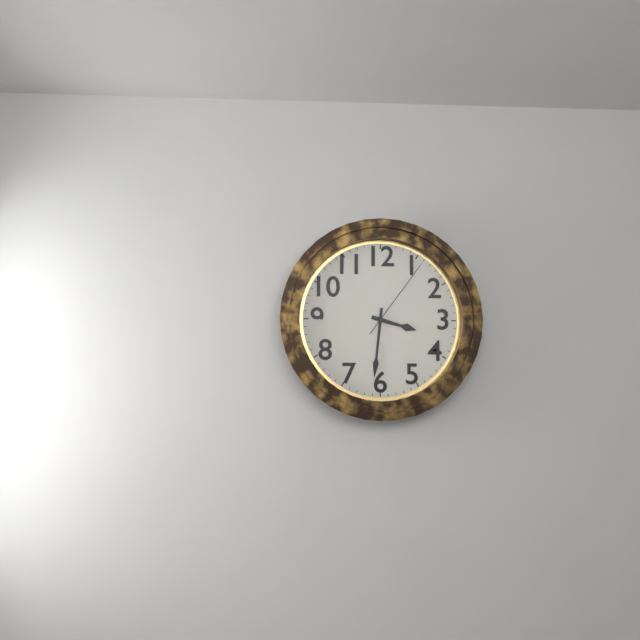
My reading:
3 h 31 min 06 s
